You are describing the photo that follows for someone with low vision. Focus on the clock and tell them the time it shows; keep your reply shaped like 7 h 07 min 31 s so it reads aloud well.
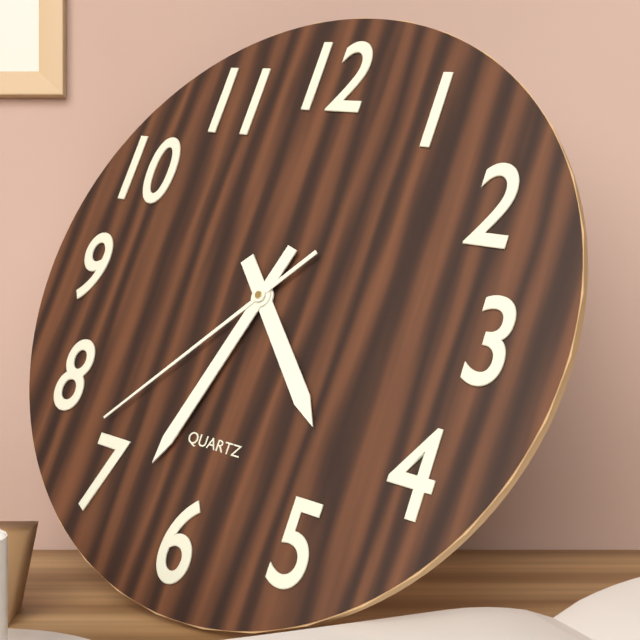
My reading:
4 h 33 min 37 s
